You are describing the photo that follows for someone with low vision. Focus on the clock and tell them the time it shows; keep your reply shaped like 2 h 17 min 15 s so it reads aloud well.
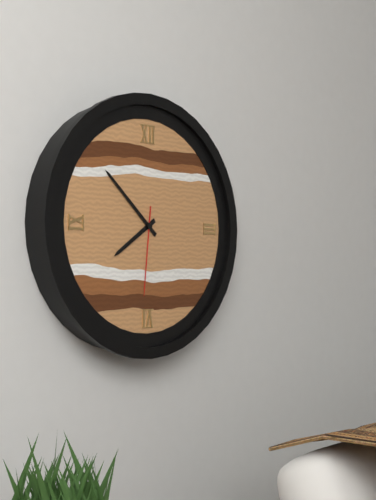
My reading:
7 h 52 min 31 s
